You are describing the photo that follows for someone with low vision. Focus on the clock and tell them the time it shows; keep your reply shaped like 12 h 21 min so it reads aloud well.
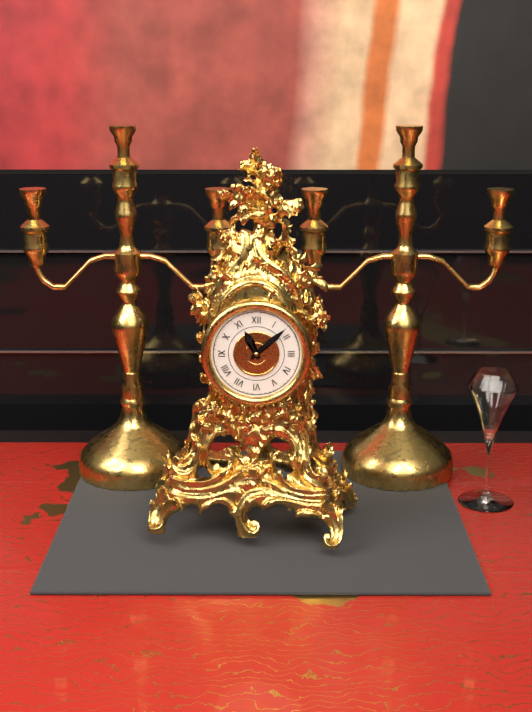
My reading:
11 h 08 min
